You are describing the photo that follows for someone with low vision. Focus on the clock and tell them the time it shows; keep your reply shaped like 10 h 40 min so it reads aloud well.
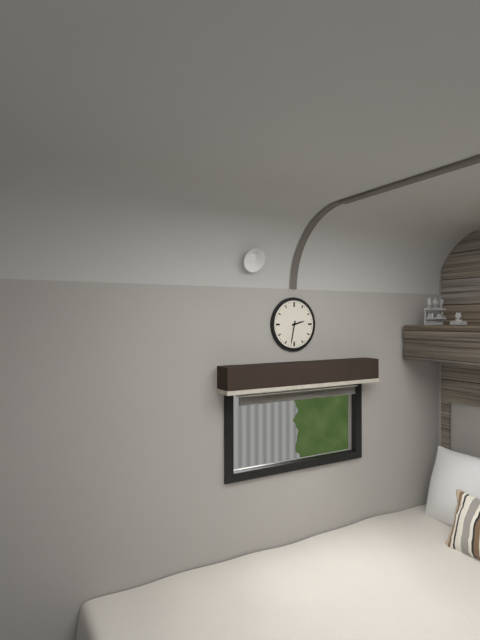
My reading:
2 h 32 min
